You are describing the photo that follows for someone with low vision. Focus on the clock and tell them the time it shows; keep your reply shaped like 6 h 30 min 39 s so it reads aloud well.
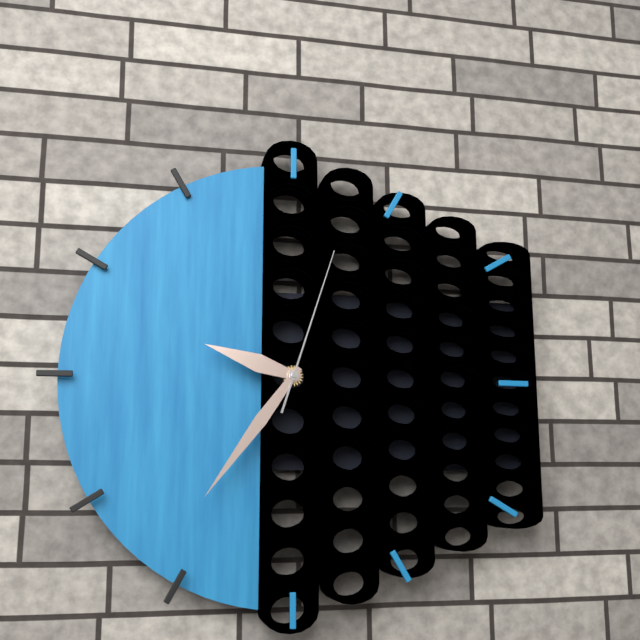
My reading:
9 h 36 min 03 s
